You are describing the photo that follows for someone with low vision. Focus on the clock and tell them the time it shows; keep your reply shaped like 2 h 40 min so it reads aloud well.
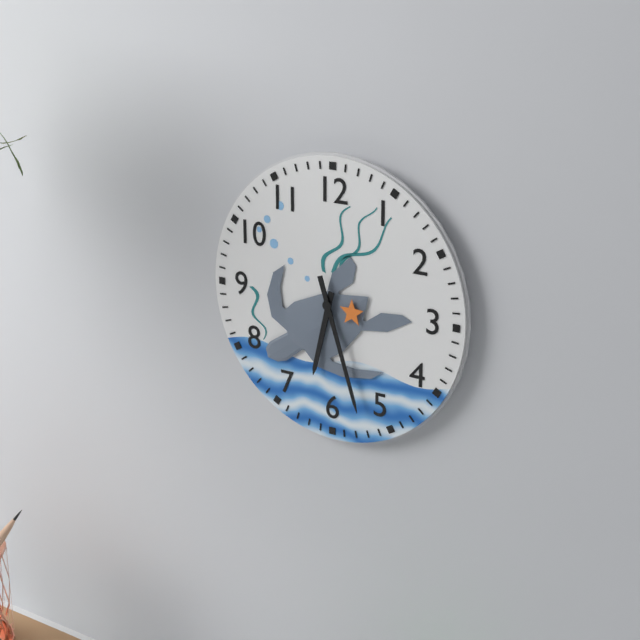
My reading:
6 h 27 min
